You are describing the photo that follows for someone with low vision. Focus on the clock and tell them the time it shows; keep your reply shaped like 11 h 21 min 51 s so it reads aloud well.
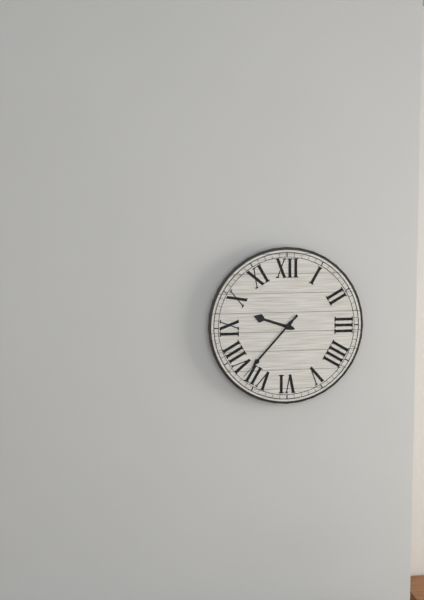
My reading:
9 h 37 min 37 s
